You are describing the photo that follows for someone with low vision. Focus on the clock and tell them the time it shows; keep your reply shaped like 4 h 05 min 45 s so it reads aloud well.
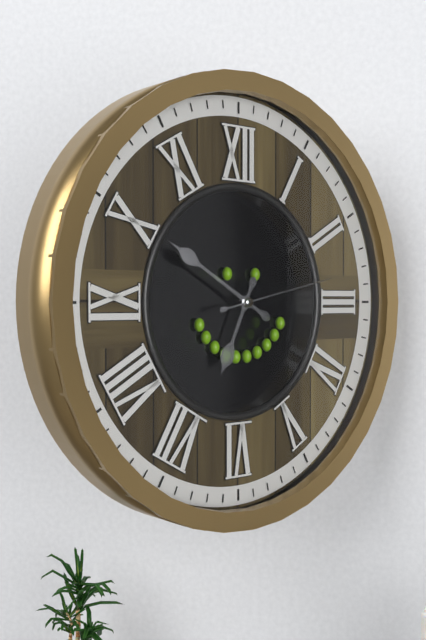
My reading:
6 h 50 min 13 s
